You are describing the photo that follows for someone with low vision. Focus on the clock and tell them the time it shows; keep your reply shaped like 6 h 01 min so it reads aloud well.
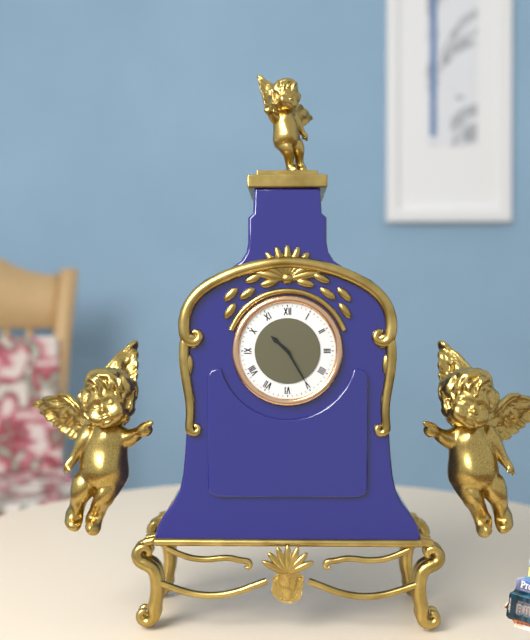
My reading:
10 h 25 min
